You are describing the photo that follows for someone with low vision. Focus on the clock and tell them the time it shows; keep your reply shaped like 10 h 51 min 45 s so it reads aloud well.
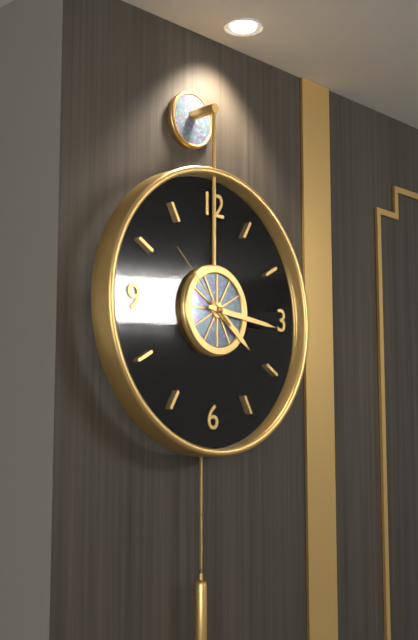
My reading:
4 h 16 min 52 s
